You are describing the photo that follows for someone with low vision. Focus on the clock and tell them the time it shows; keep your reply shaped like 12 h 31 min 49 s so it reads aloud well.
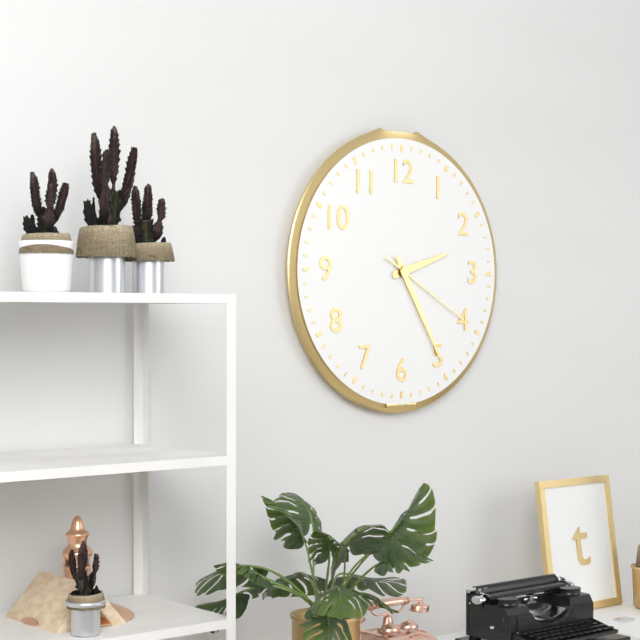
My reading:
2 h 25 min 20 s
